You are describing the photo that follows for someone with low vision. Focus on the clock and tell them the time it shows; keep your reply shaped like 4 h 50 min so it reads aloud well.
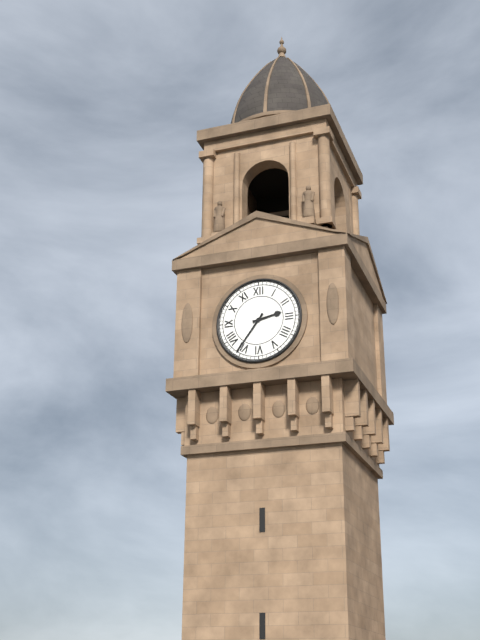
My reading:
2 h 36 min
